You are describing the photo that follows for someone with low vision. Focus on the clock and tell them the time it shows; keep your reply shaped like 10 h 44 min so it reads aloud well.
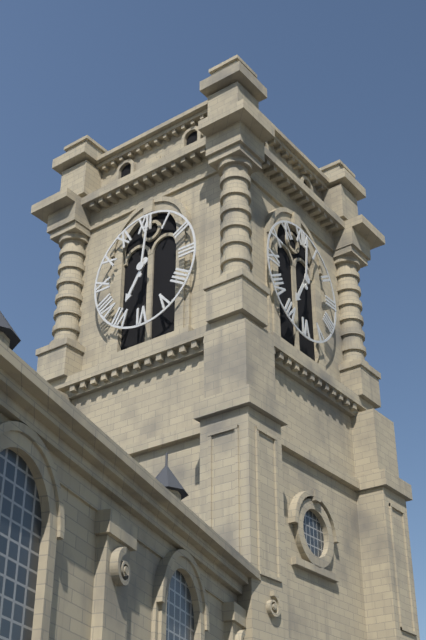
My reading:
7 h 01 min
